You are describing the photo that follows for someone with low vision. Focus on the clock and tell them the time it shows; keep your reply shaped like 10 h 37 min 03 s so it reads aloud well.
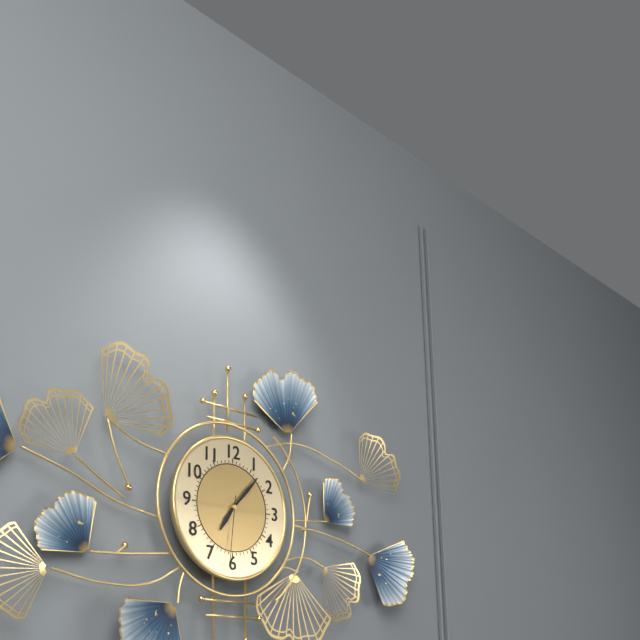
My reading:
7 h 07 min 31 s
